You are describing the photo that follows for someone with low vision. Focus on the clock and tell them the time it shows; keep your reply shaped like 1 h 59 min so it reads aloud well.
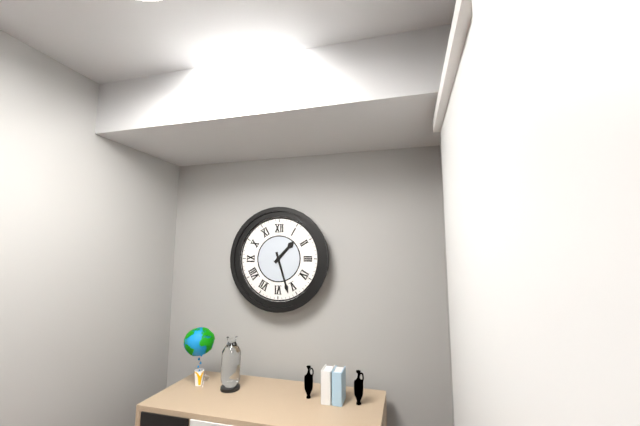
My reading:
1 h 27 min
